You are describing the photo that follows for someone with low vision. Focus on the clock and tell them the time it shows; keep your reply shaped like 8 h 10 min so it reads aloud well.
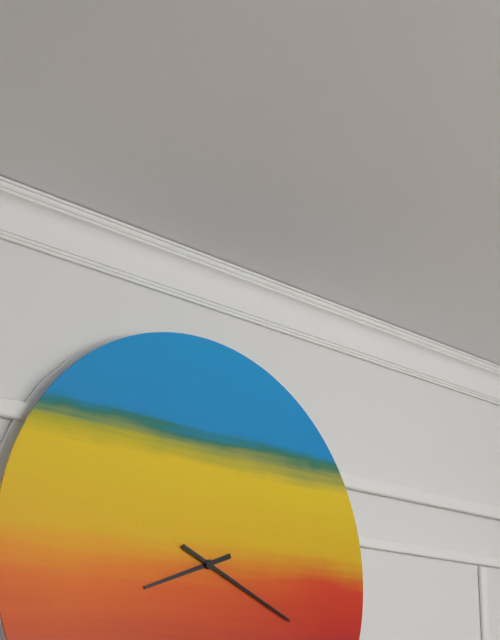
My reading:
8 h 19 min
